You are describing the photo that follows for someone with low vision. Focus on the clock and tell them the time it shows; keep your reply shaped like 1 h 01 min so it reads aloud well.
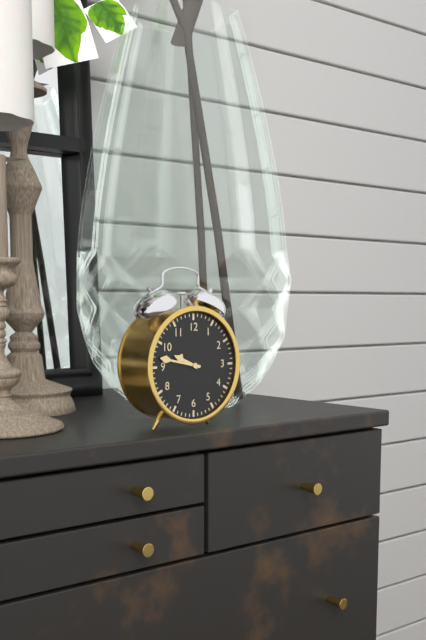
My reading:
9 h 47 min
